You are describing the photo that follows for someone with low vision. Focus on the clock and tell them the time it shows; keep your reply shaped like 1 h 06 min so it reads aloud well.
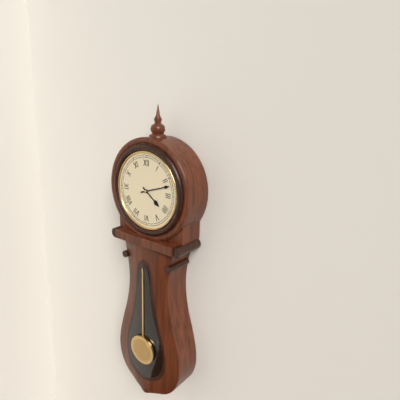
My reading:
4 h 12 min
